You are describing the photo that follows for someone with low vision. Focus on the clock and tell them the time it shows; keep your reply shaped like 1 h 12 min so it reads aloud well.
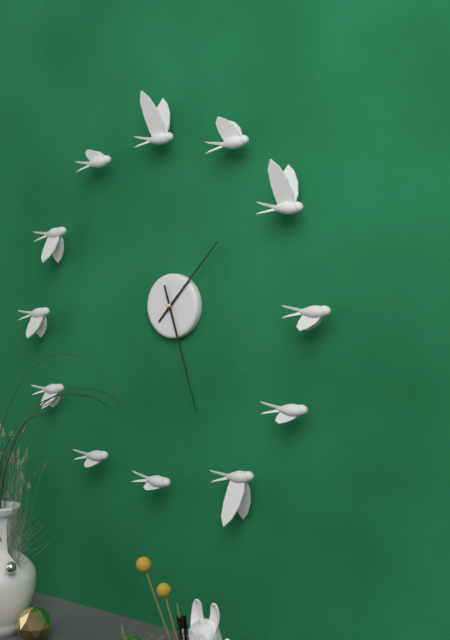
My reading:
1 h 27 min
